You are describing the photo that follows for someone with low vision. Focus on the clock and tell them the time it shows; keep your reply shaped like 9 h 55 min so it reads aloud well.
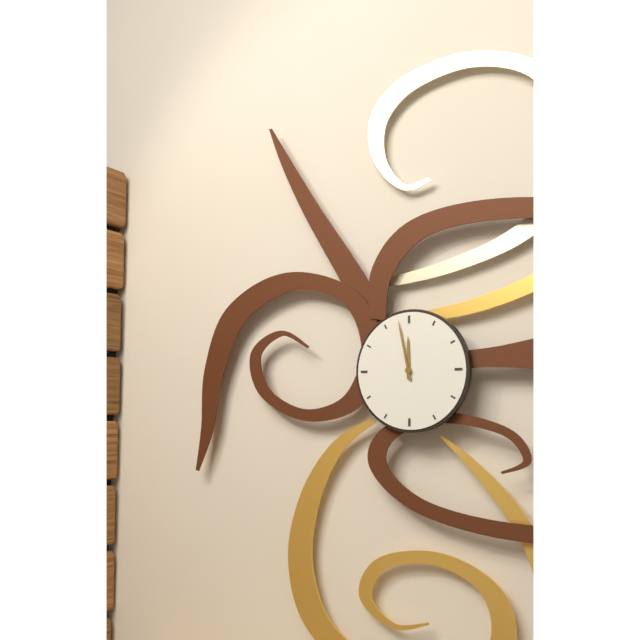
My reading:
11 h 58 min
